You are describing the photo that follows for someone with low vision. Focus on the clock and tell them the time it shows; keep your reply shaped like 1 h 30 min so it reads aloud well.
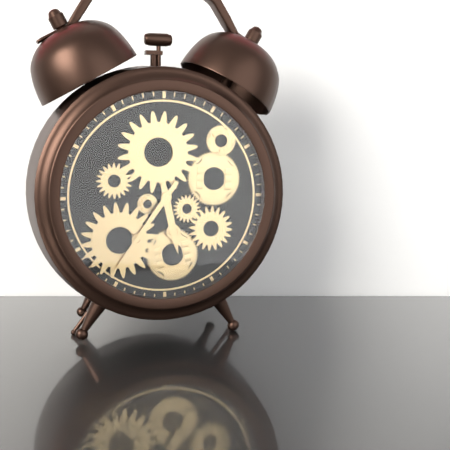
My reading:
5 h 36 min
